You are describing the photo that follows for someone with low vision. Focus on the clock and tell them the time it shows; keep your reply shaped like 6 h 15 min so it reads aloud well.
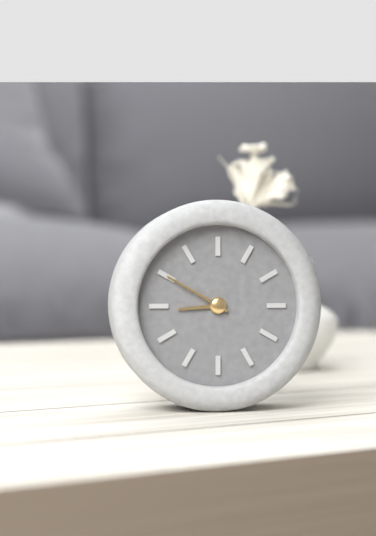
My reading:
8 h 50 min
